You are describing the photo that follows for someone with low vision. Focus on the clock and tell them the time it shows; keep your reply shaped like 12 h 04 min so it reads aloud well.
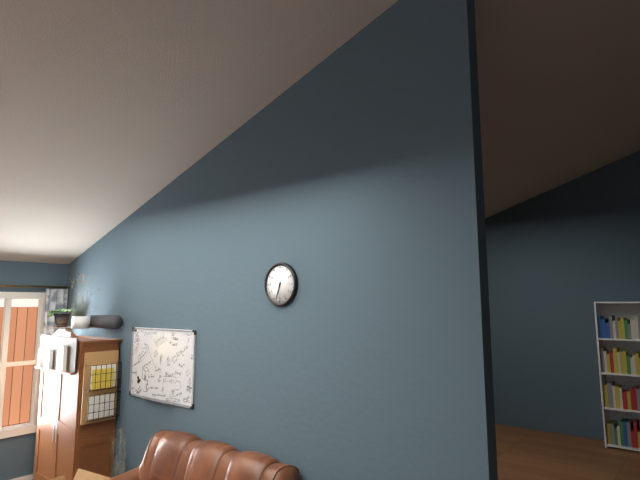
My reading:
6 h 33 min
